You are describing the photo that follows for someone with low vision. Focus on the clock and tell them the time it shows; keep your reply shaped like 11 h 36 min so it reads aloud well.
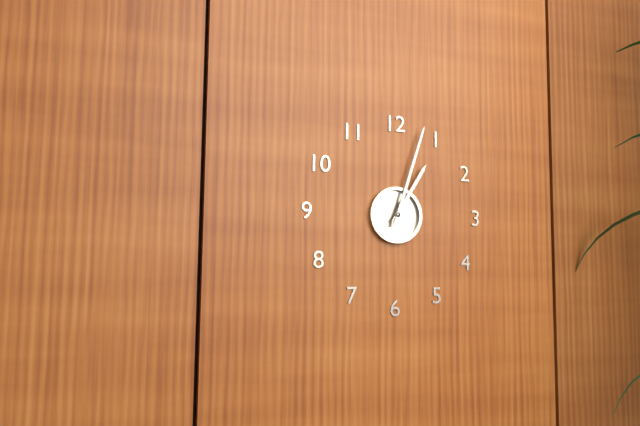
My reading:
1 h 03 min
